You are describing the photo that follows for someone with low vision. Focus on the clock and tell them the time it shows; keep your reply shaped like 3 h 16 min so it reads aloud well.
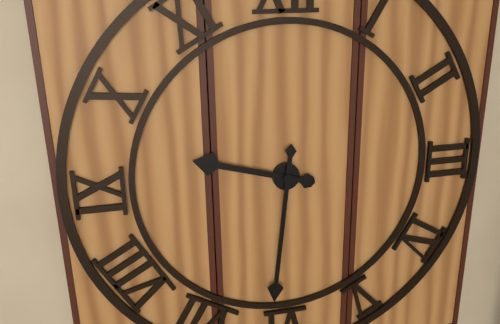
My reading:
9 h 31 min
